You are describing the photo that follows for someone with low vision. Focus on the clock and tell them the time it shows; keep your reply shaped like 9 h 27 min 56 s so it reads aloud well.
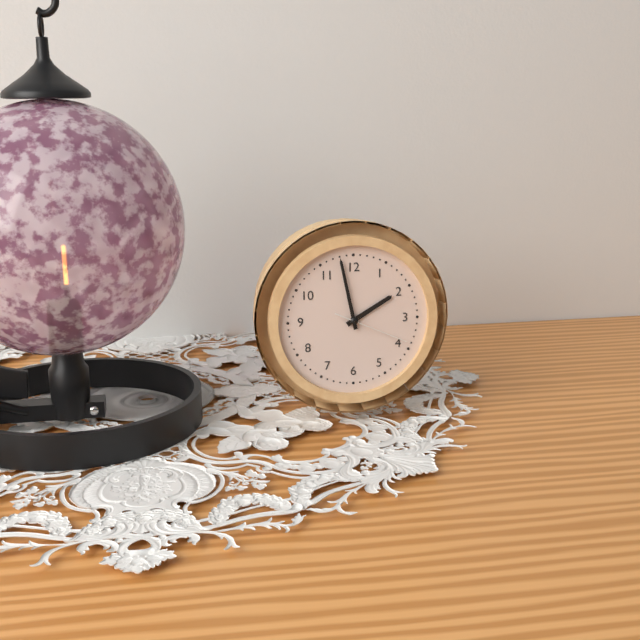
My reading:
1 h 58 min 19 s
